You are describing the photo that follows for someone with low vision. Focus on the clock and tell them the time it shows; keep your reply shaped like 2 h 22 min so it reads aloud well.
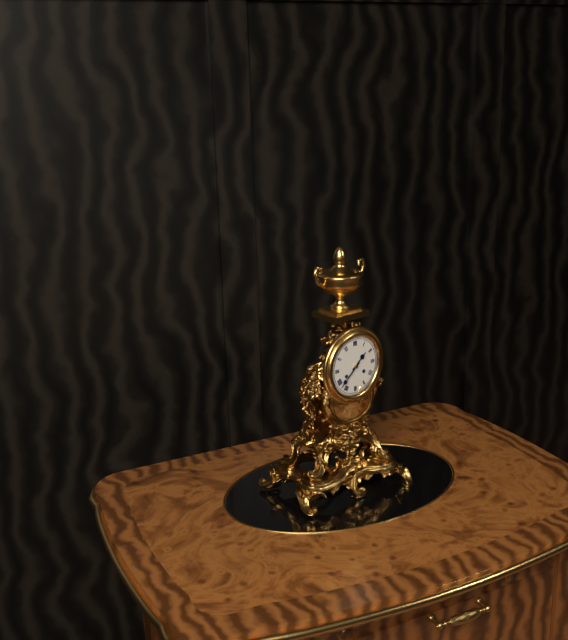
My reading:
1 h 38 min
